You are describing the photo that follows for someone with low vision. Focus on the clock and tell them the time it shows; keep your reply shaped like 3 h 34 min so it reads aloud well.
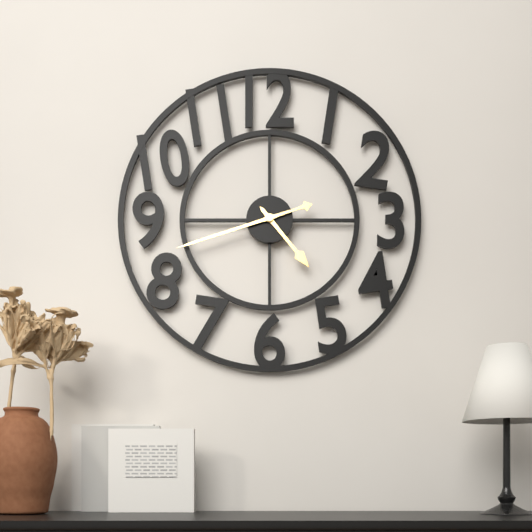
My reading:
4 h 42 min
